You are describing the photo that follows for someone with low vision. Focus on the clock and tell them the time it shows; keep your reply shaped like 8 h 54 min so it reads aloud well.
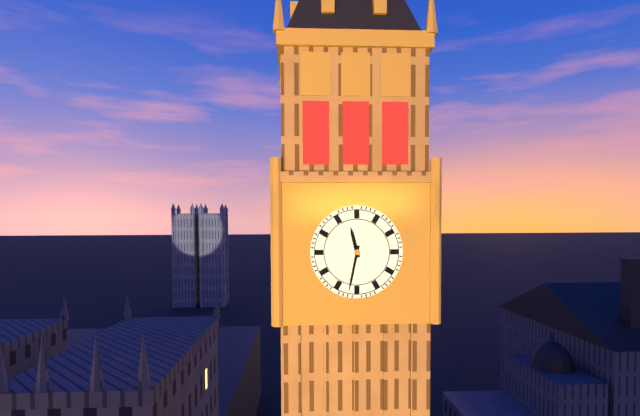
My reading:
11 h 32 min
